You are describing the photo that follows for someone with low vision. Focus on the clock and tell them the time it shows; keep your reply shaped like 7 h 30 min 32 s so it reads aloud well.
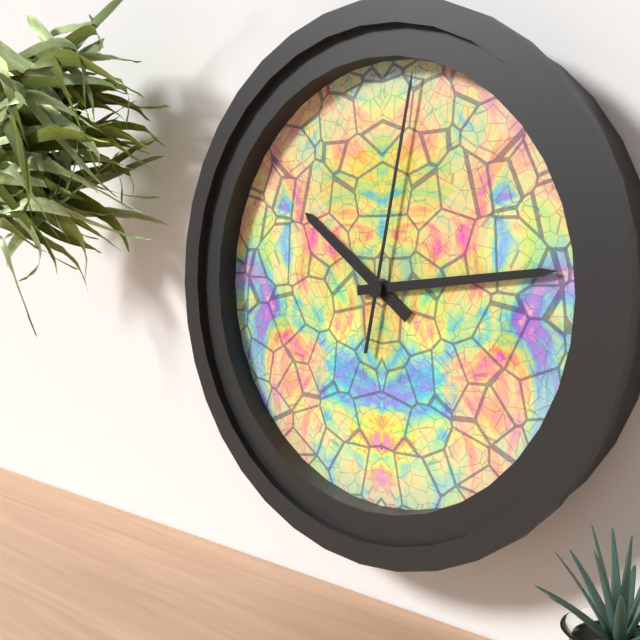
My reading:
10 h 14 min 02 s
